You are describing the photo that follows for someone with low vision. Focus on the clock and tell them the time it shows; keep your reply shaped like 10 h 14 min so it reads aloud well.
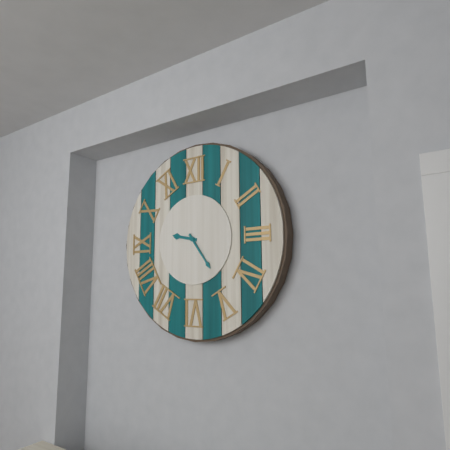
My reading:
9 h 24 min
